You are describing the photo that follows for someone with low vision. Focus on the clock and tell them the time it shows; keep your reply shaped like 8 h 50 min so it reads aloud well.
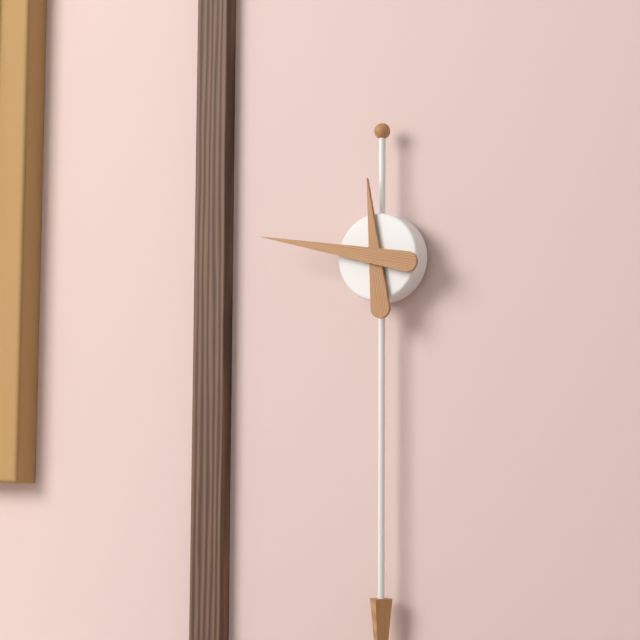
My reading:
11 h 47 min
